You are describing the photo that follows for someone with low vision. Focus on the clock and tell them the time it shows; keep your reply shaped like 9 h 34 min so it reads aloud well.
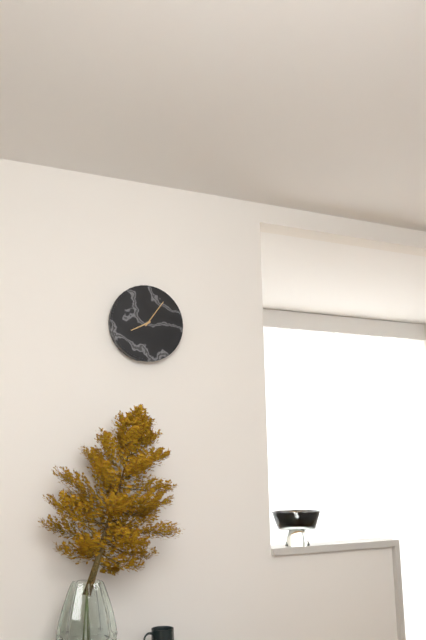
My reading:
8 h 06 min
